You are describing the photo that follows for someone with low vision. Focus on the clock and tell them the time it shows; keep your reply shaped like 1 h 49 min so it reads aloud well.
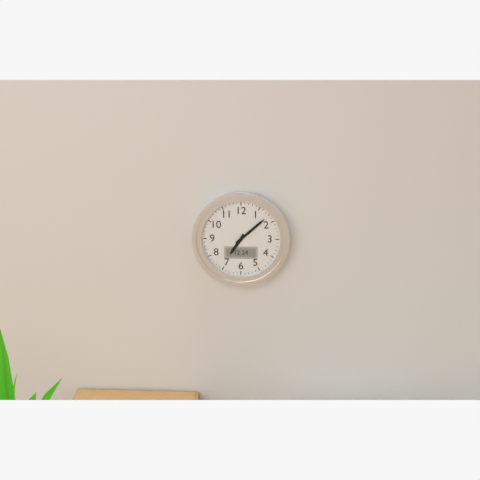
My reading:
7 h 08 min
